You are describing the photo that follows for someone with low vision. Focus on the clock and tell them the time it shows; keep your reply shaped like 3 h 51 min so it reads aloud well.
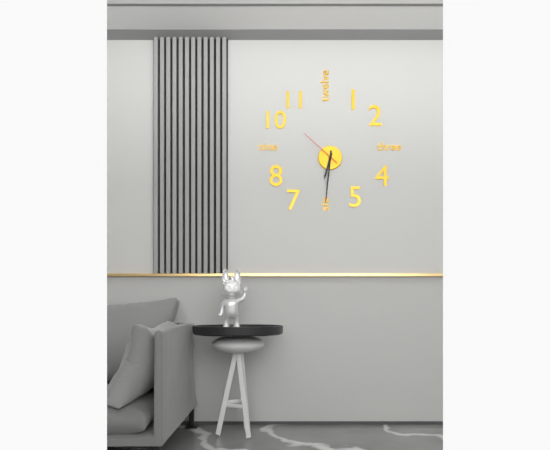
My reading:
6 h 31 min
